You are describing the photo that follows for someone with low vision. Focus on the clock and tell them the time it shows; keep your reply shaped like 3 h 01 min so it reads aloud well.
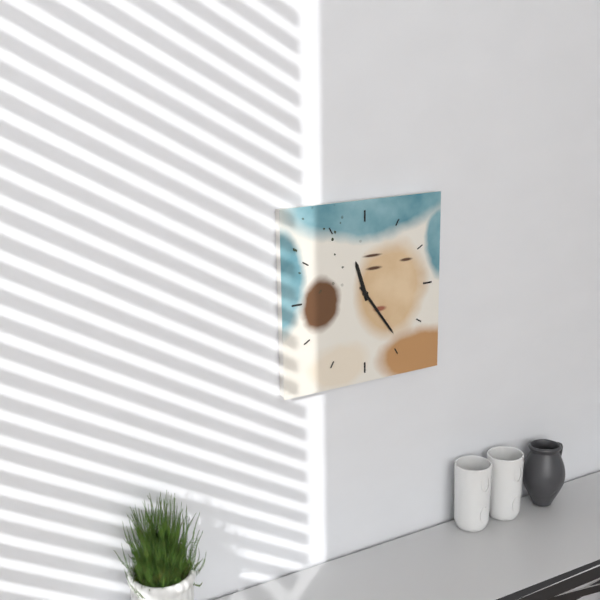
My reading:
11 h 24 min
